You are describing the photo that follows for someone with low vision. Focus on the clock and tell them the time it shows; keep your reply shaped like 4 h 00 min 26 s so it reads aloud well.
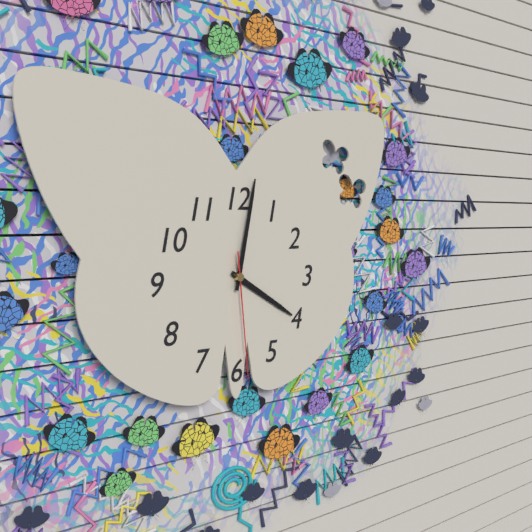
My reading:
4 h 02 min 29 s
